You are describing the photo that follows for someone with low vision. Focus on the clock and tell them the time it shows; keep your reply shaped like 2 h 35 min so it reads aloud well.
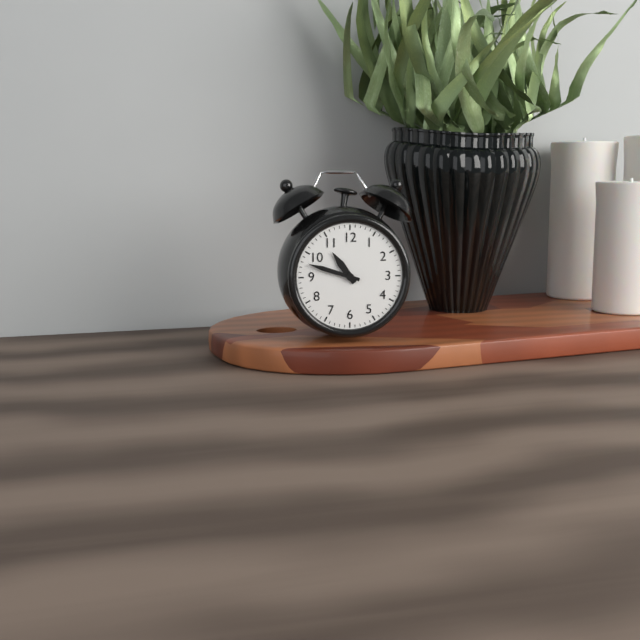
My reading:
10 h 48 min
